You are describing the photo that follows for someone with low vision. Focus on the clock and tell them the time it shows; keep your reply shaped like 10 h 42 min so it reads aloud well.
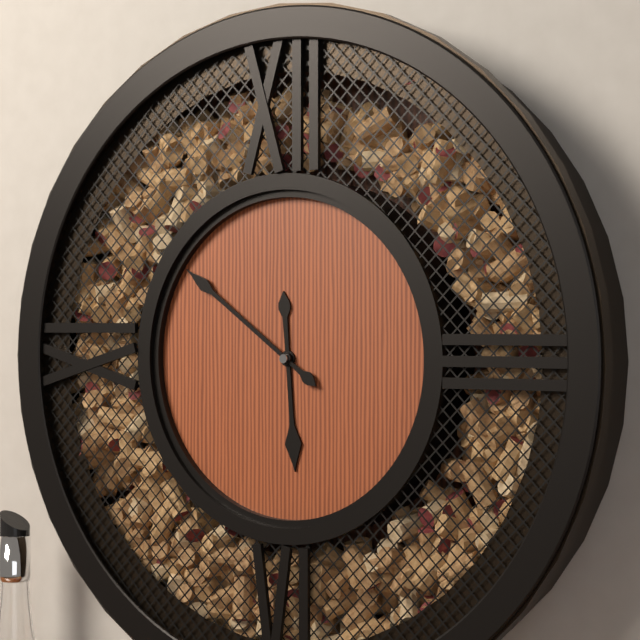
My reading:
5 h 51 min
